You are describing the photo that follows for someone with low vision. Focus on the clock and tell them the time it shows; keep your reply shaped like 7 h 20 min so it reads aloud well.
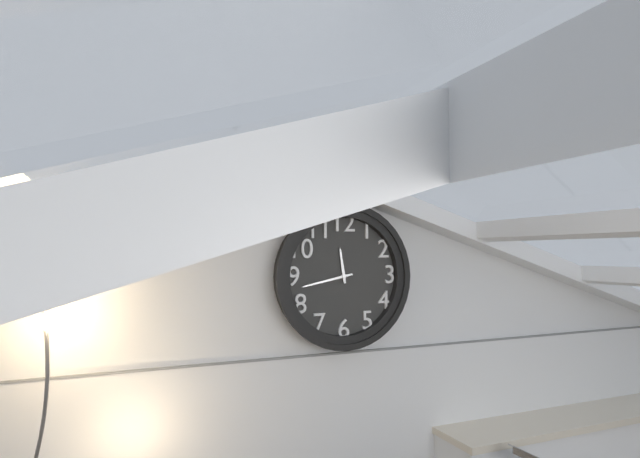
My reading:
11 h 43 min
